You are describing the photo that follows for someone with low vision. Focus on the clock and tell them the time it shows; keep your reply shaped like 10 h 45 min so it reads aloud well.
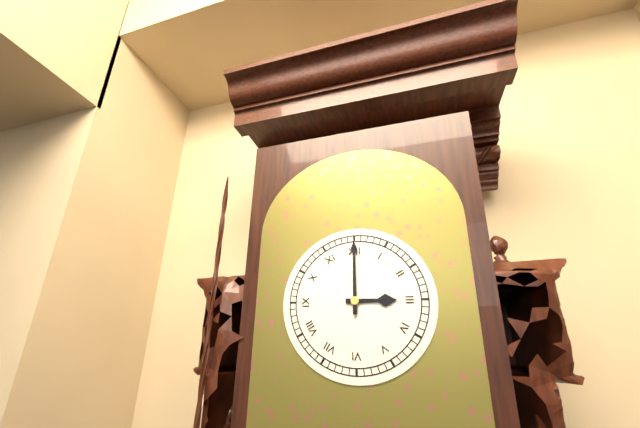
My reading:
3 h 00 min
